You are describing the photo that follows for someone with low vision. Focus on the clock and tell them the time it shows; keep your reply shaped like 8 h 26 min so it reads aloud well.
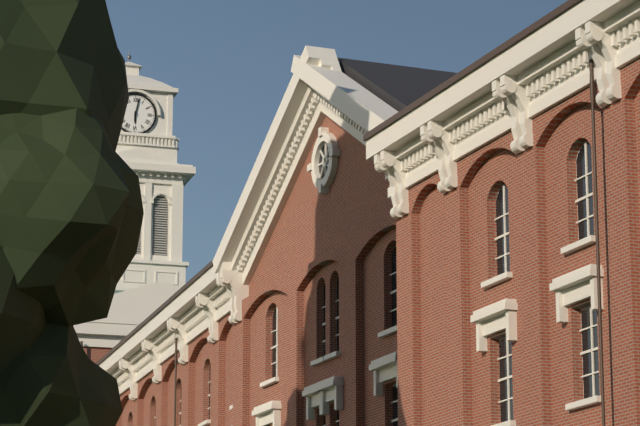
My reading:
6 h 02 min
